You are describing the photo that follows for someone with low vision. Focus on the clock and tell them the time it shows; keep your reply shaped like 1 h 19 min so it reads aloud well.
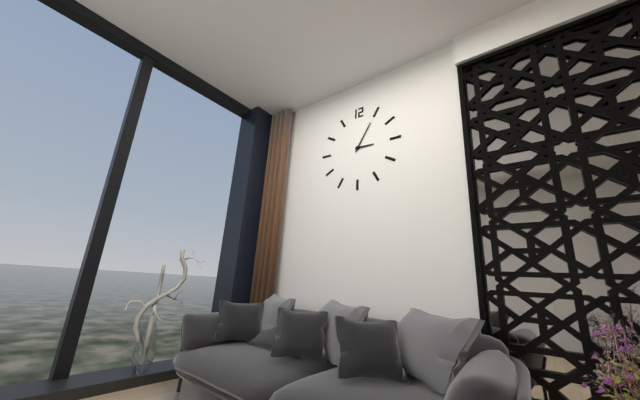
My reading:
3 h 05 min
